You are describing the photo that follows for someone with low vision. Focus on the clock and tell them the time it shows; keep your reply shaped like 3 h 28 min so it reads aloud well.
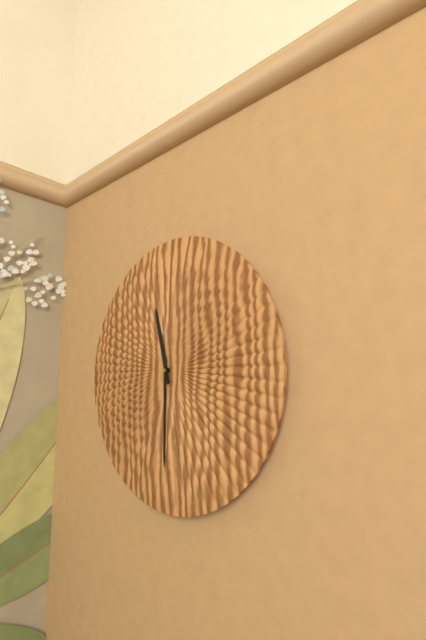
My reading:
11 h 30 min
